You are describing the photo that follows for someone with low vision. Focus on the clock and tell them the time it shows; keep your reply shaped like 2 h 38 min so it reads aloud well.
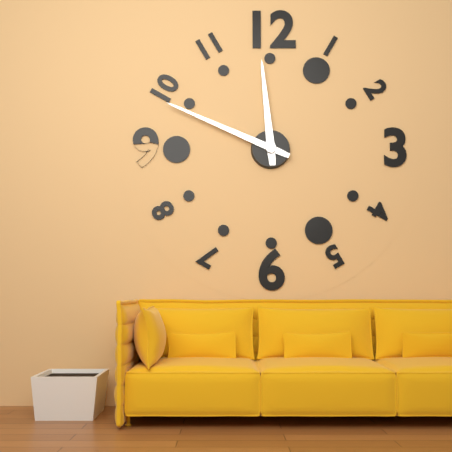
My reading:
11 h 49 min
